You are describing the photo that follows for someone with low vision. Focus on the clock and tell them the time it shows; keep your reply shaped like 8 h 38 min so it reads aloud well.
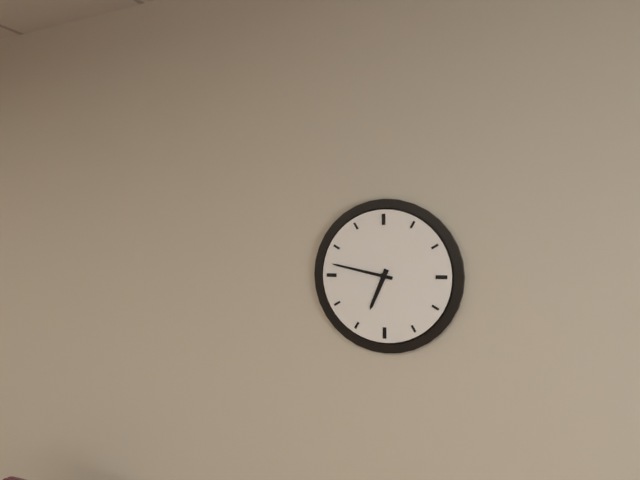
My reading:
6 h 47 min
